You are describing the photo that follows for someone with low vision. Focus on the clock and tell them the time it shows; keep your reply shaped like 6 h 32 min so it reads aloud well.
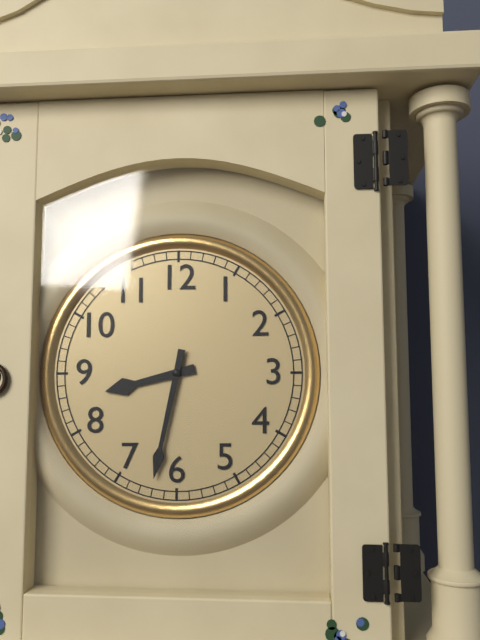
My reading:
8 h 32 min
